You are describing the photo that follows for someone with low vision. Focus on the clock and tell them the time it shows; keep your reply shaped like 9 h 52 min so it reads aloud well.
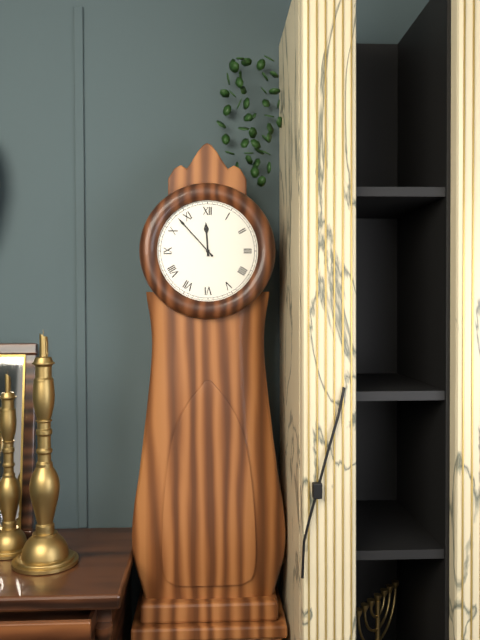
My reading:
11 h 53 min
